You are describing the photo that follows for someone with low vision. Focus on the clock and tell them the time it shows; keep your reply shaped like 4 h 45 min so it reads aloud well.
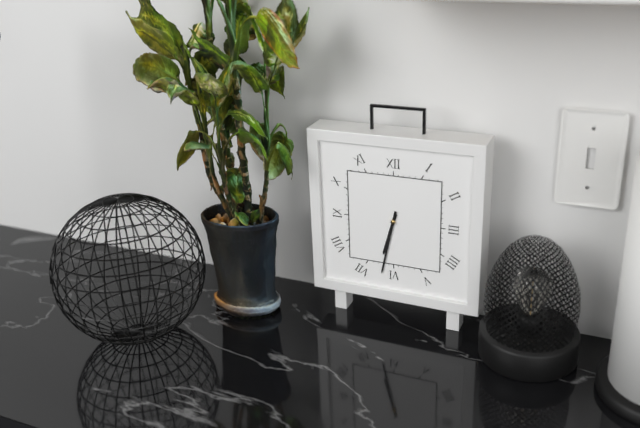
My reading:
6 h 32 min
